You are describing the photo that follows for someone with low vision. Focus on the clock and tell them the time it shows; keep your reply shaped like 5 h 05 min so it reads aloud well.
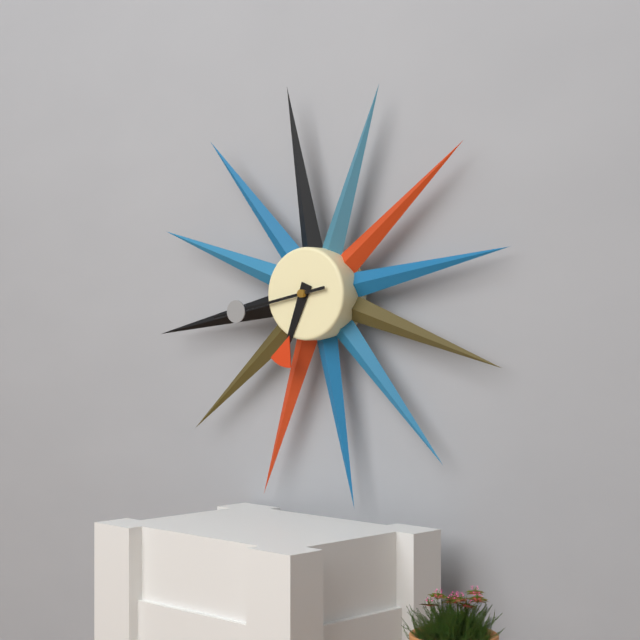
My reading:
6 h 43 min
